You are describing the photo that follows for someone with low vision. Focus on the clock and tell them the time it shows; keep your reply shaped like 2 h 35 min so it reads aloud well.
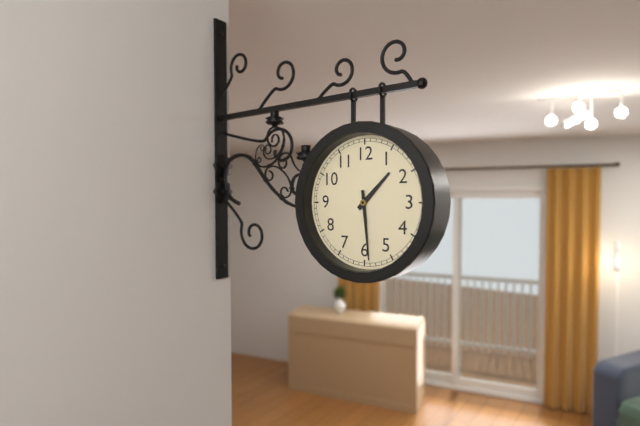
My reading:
1 h 29 min
